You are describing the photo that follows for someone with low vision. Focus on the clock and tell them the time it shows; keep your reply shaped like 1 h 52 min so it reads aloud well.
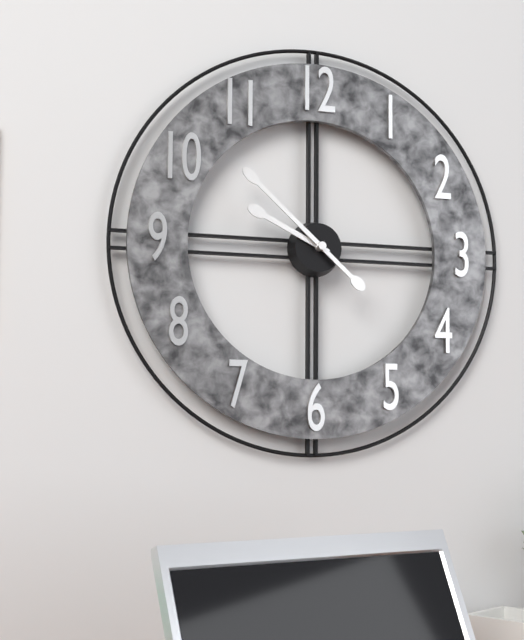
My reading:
9 h 52 min
